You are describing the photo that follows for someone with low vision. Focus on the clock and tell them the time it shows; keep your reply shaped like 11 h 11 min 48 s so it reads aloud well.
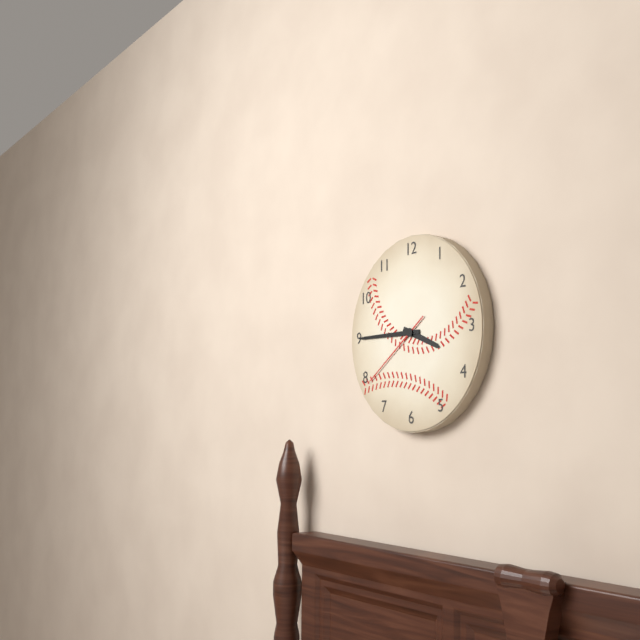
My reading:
3 h 45 min 39 s
